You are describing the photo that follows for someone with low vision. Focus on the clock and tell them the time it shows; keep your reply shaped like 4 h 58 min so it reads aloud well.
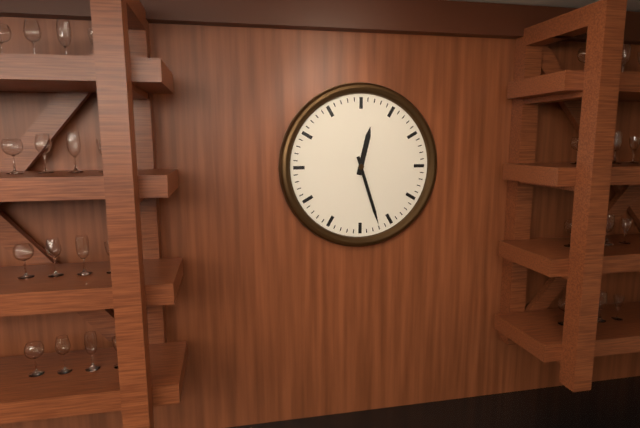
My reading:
12 h 27 min
